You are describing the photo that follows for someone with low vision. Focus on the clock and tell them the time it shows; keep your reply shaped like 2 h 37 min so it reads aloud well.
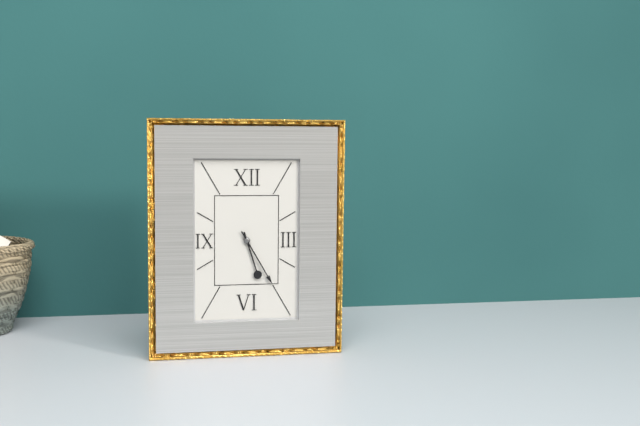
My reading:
5 h 25 min
